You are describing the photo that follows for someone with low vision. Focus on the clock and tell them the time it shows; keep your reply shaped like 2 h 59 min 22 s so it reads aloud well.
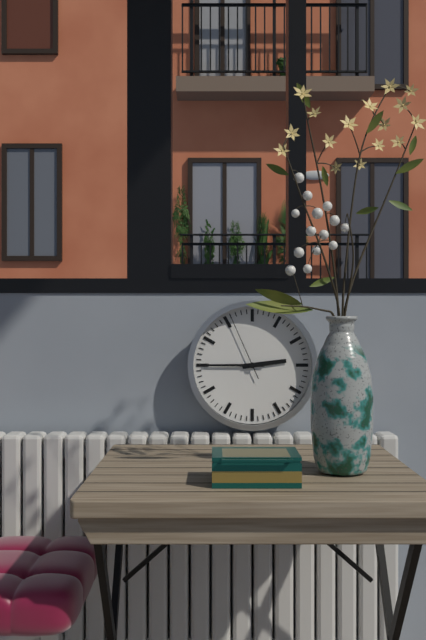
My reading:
2 h 45 min 56 s
